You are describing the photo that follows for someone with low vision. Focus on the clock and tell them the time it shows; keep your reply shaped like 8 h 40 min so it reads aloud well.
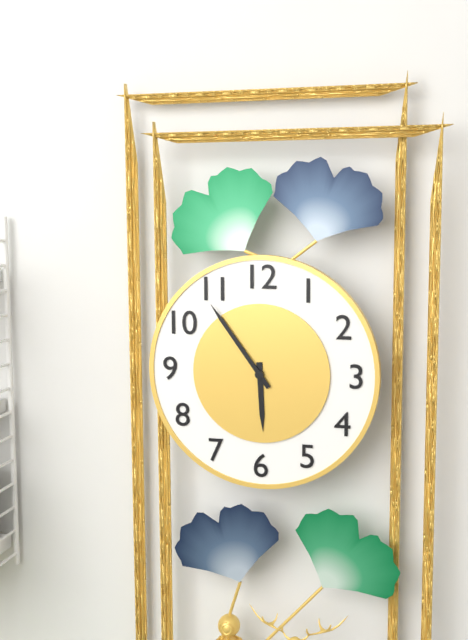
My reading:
5 h 54 min
